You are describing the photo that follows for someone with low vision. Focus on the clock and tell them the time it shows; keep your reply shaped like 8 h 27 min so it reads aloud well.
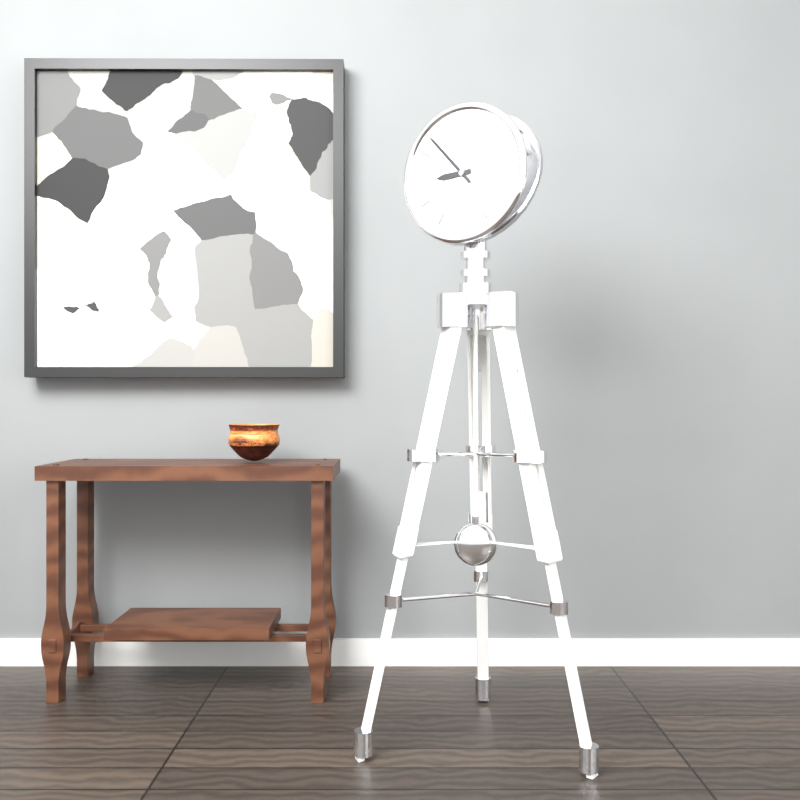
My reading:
8 h 53 min
